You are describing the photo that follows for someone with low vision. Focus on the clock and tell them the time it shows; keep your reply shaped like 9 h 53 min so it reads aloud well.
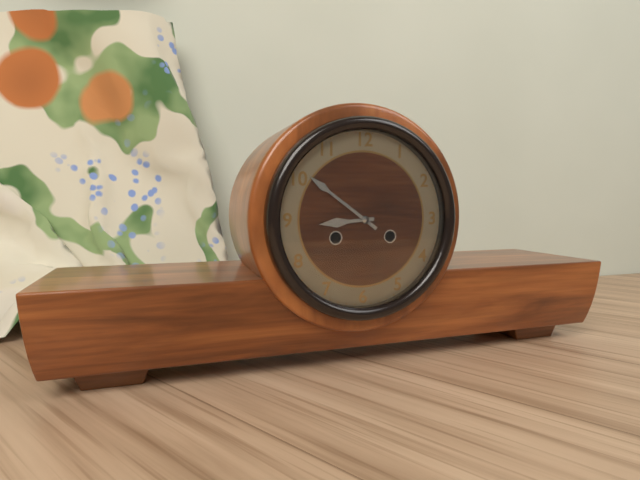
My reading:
8 h 51 min
